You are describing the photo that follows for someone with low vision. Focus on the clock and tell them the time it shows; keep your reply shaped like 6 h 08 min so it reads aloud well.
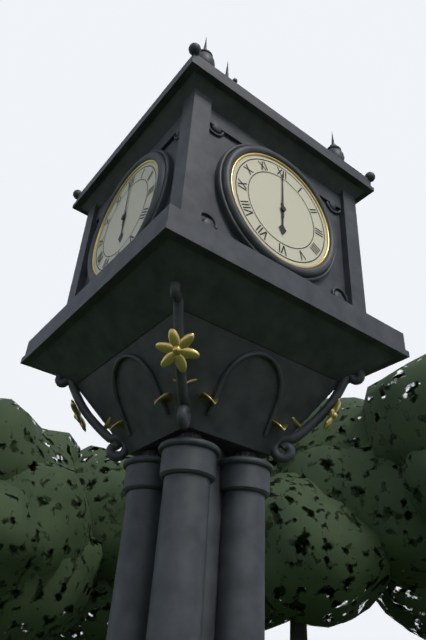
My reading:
6 h 00 min
